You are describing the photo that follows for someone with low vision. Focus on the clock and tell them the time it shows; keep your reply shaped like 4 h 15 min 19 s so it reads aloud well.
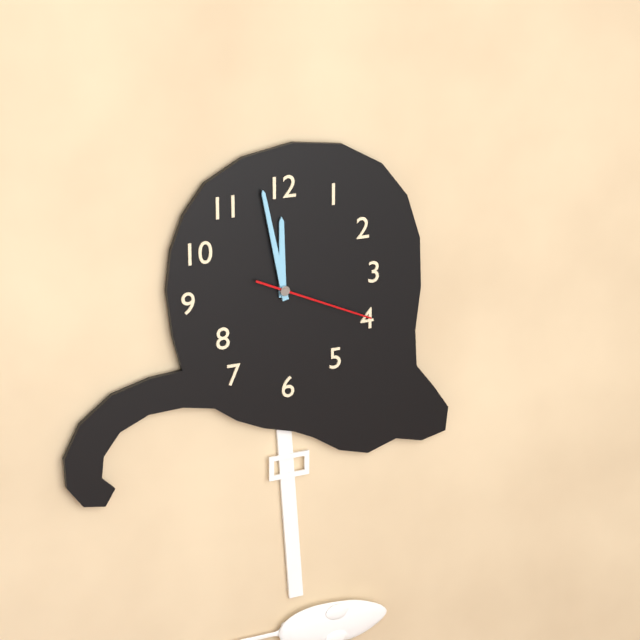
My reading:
11 h 58 min 19 s
